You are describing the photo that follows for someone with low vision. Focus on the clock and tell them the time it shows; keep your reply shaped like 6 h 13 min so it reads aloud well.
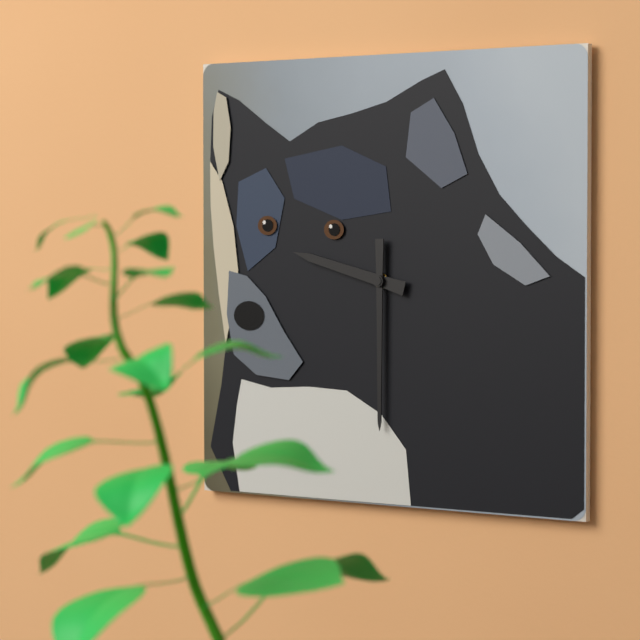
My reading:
9 h 30 min
